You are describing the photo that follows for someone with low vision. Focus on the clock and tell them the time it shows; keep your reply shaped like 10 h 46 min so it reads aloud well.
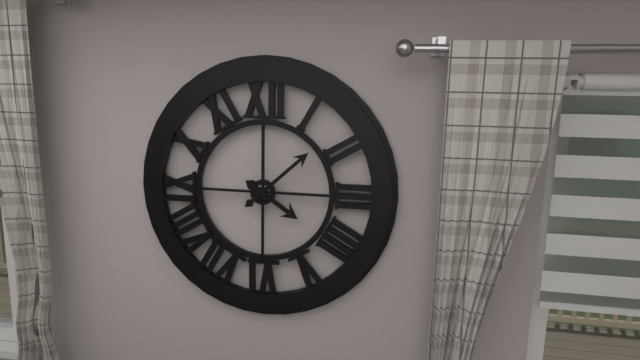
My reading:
4 h 08 min
